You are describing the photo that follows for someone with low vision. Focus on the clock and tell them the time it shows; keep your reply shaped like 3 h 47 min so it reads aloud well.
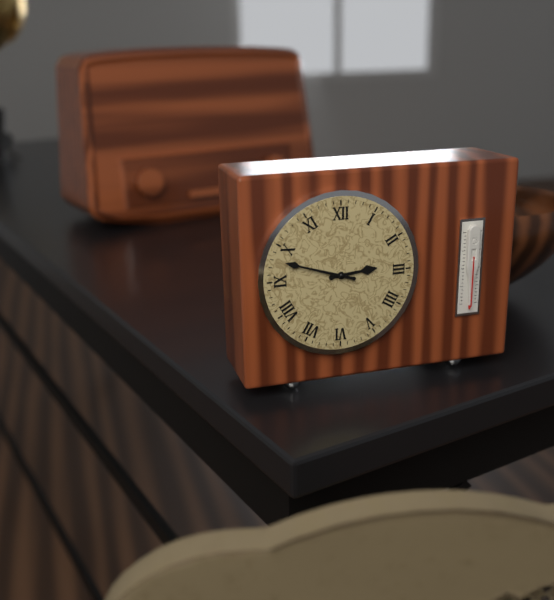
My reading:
2 h 48 min
